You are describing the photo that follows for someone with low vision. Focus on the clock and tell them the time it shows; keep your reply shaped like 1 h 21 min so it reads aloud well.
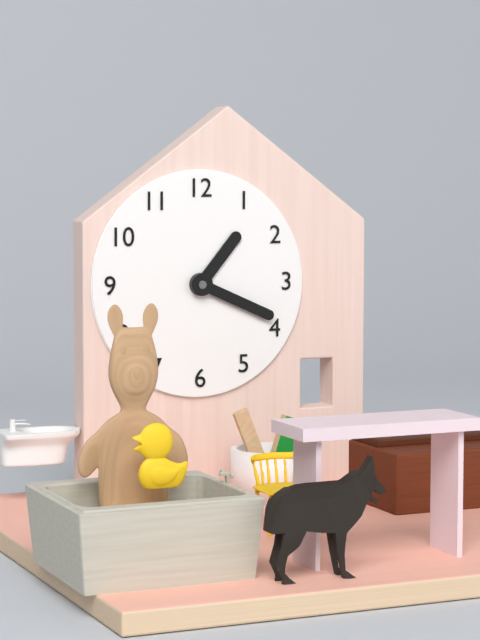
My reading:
1 h 19 min
